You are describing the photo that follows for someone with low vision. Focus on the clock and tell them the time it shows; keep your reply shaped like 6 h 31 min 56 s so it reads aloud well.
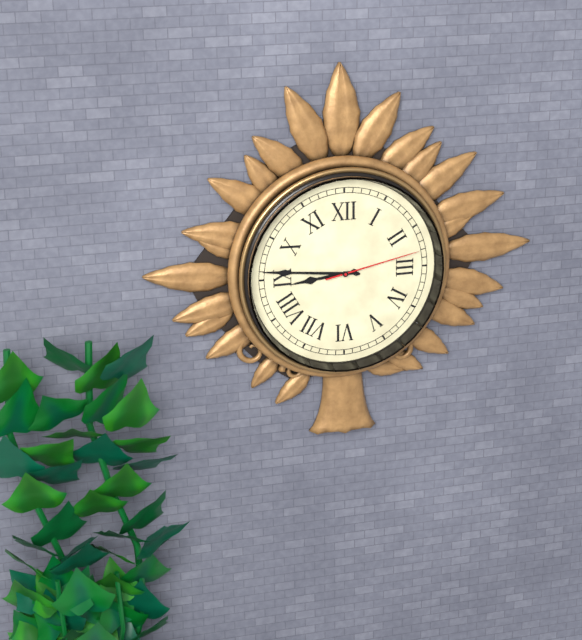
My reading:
8 h 46 min 13 s
